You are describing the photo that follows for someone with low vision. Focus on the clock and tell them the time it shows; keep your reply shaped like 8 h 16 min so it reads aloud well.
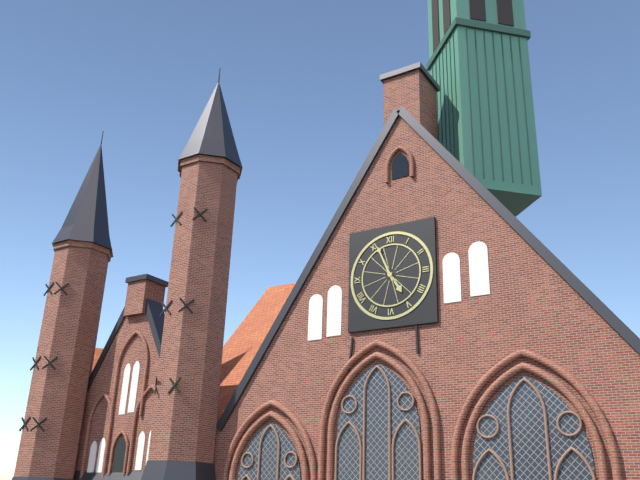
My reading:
4 h 56 min
